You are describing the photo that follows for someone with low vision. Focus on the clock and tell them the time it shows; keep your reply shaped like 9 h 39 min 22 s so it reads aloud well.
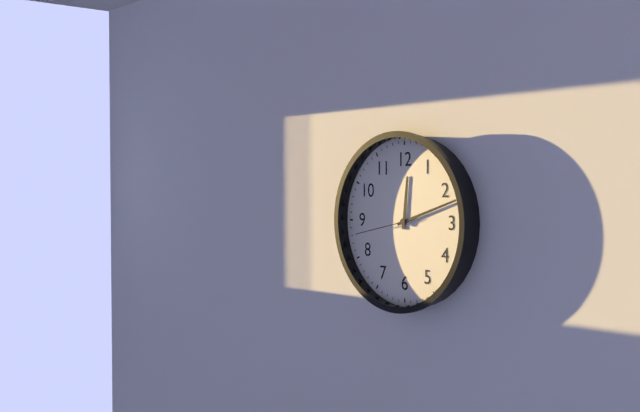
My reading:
12 h 12 min 43 s
